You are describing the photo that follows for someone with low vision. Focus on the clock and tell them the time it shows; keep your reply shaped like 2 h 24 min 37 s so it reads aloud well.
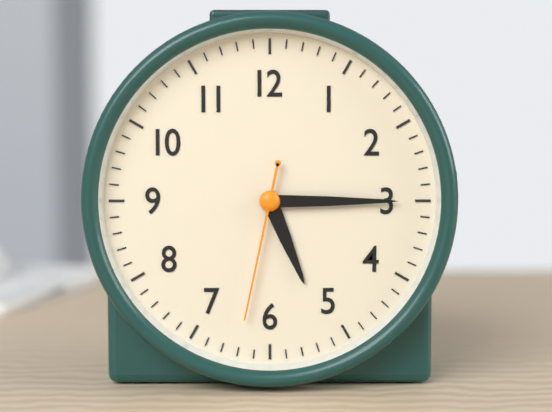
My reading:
5 h 15 min 32 s
